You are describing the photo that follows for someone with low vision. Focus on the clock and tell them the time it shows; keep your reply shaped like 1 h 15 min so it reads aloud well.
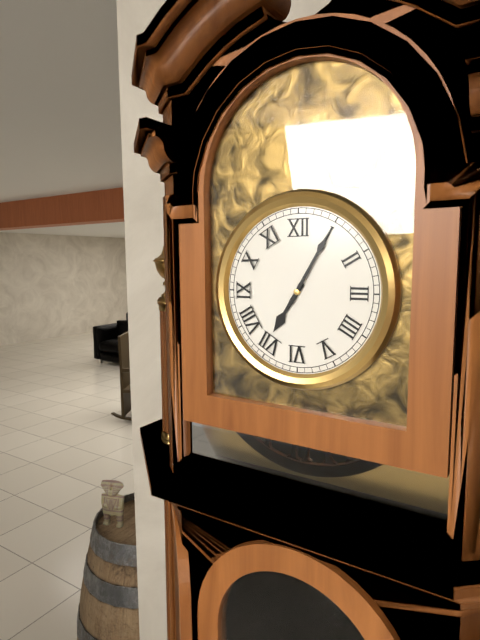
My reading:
7 h 05 min
